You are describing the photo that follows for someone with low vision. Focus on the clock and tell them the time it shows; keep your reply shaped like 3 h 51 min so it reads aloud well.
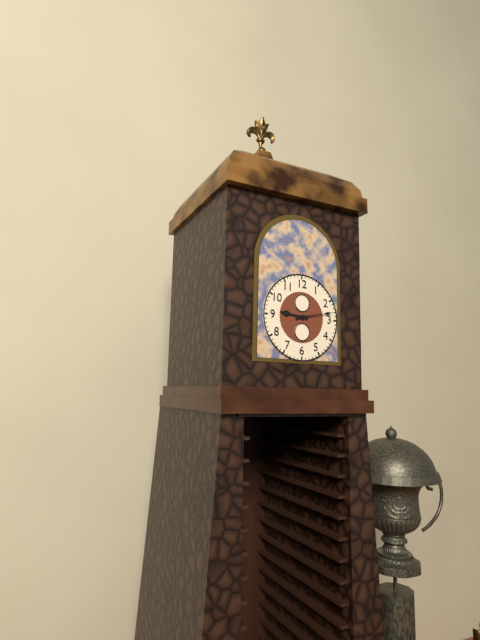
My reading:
9 h 13 min
